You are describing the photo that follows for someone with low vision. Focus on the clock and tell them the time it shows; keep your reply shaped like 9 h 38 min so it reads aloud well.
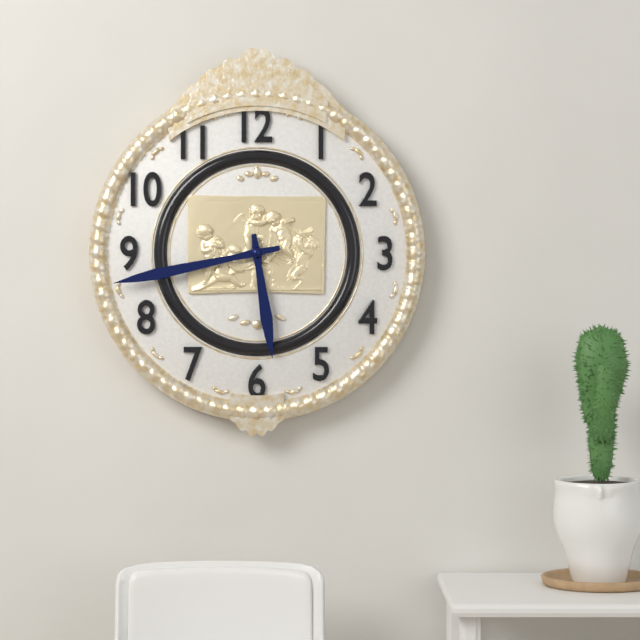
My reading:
5 h 43 min
